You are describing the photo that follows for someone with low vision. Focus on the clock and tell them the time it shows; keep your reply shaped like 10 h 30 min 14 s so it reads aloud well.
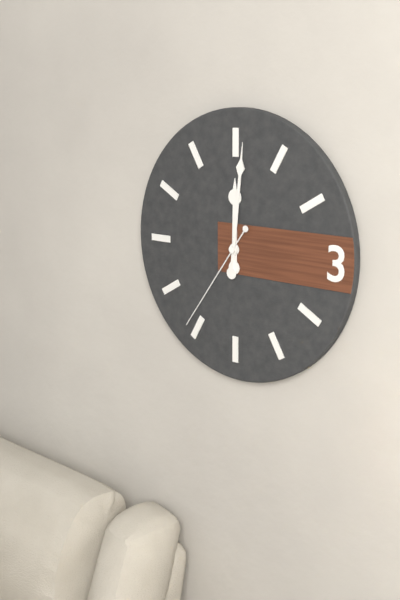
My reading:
12 h 01 min 36 s
